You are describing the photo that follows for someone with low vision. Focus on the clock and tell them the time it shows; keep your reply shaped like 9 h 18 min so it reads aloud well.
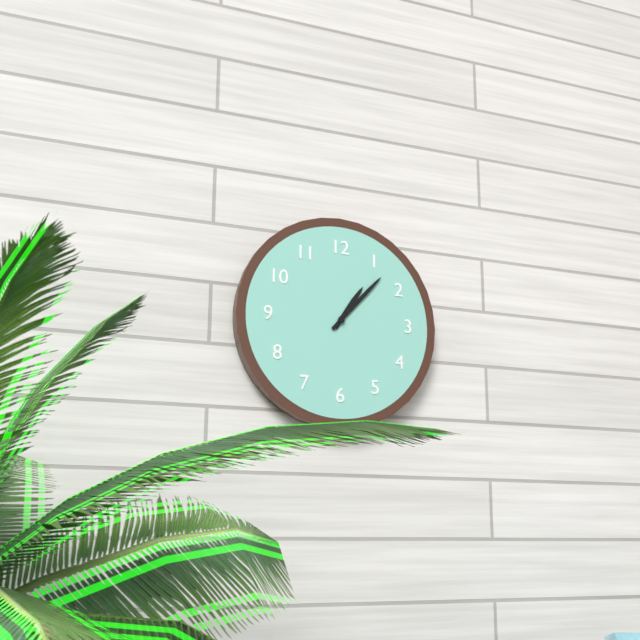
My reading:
1 h 07 min
